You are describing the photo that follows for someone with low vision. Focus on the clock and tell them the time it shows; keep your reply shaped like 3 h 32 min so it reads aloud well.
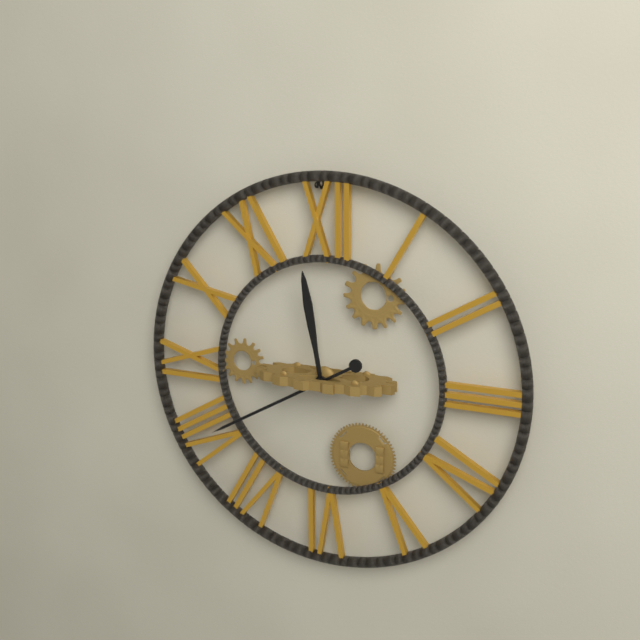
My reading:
11 h 40 min
